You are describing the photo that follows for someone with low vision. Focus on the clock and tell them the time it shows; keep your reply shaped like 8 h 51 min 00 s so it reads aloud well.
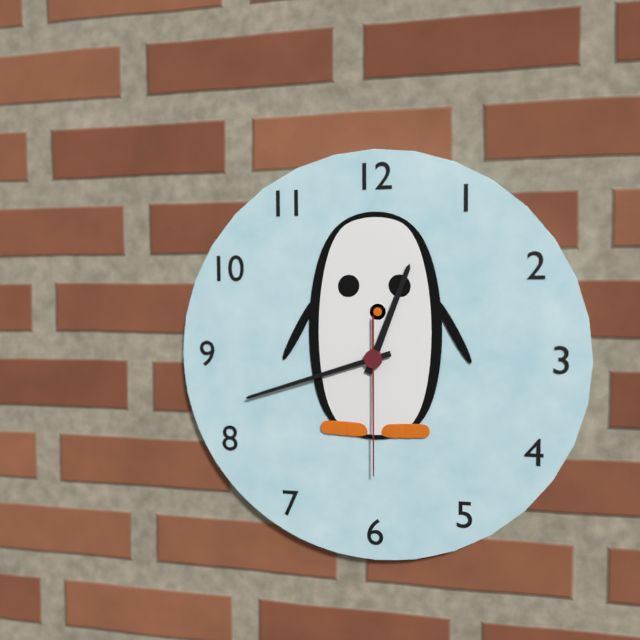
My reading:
12 h 42 min 30 s
